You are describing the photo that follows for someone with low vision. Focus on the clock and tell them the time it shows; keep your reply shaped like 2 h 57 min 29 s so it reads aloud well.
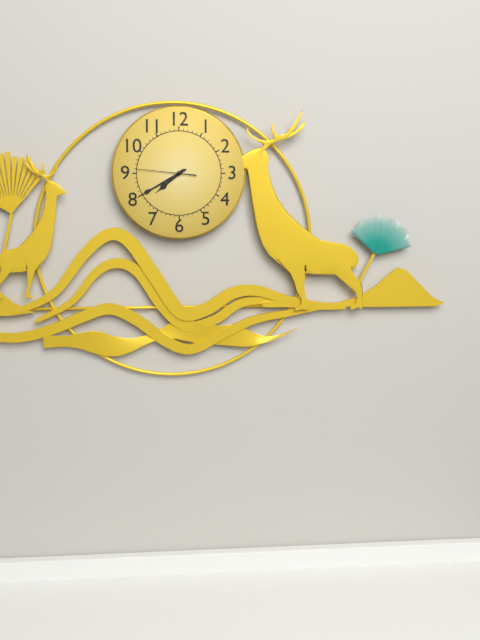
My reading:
7 h 40 min 46 s
